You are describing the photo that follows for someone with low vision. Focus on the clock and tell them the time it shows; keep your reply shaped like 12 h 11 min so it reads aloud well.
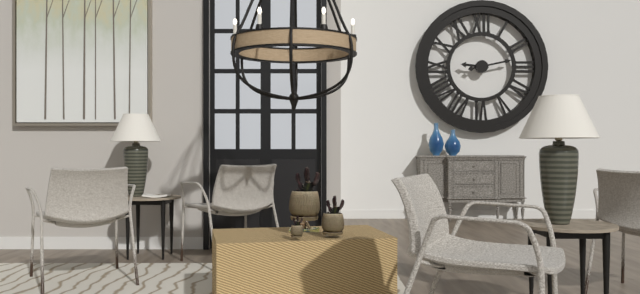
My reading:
9 h 13 min
